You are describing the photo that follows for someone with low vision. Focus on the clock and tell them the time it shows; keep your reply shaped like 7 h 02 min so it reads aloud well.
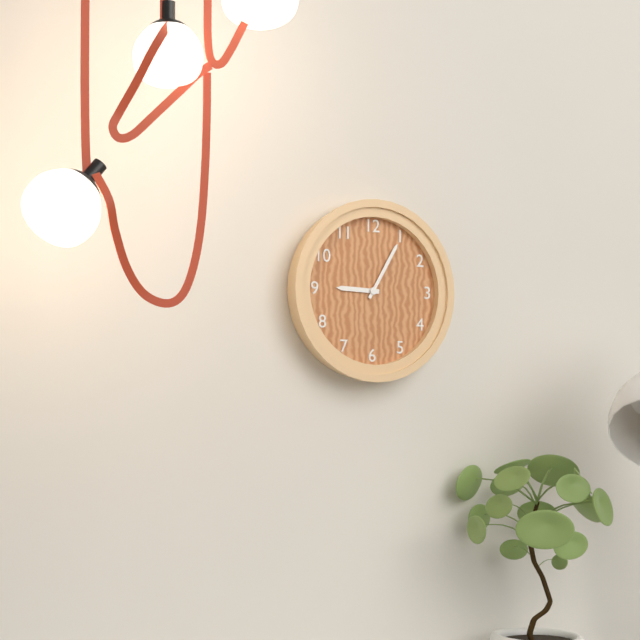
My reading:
9 h 05 min
